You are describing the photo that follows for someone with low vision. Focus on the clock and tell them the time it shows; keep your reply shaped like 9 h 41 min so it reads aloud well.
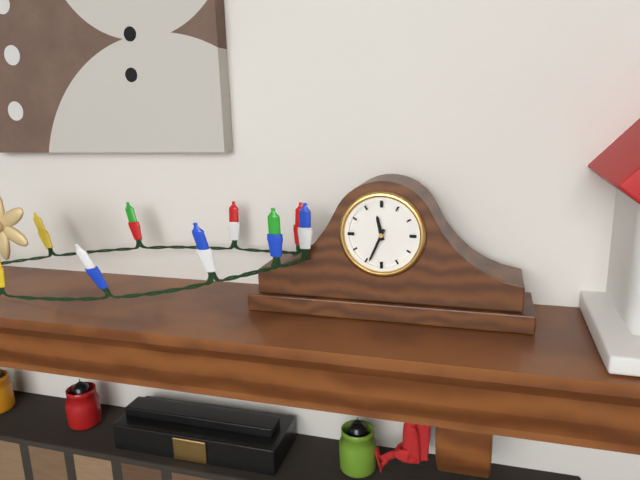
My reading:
11 h 34 min
